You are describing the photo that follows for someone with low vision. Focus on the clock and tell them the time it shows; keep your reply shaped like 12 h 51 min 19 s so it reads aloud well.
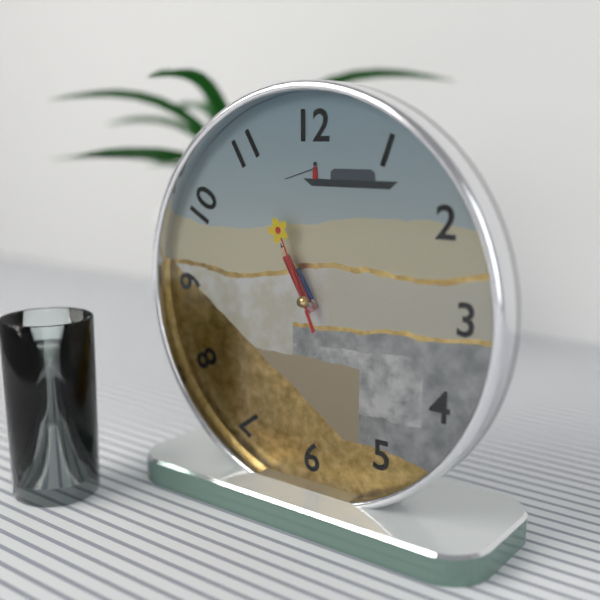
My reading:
10 h 55 min 56 s
